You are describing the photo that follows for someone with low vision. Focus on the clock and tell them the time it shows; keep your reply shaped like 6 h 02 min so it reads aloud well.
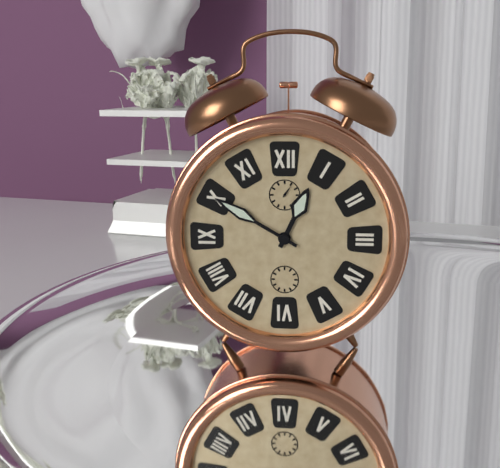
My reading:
12 h 50 min
